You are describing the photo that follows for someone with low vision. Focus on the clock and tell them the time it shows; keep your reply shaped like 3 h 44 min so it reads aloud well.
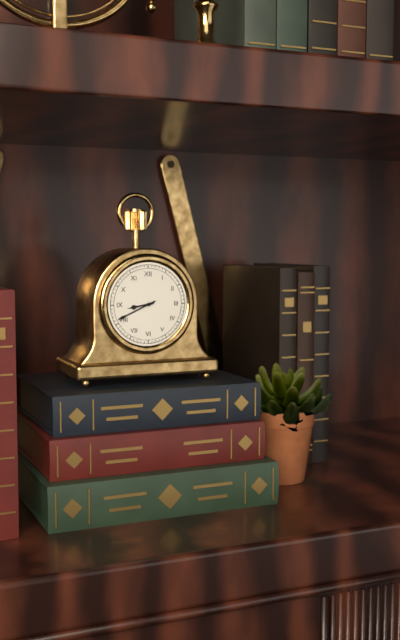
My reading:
8 h 41 min
